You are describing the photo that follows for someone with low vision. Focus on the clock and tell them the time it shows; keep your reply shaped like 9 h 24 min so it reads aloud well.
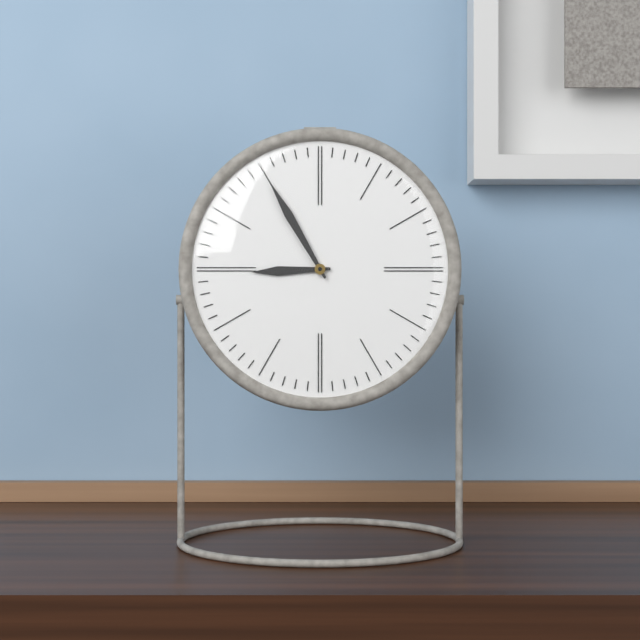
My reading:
8 h 55 min
